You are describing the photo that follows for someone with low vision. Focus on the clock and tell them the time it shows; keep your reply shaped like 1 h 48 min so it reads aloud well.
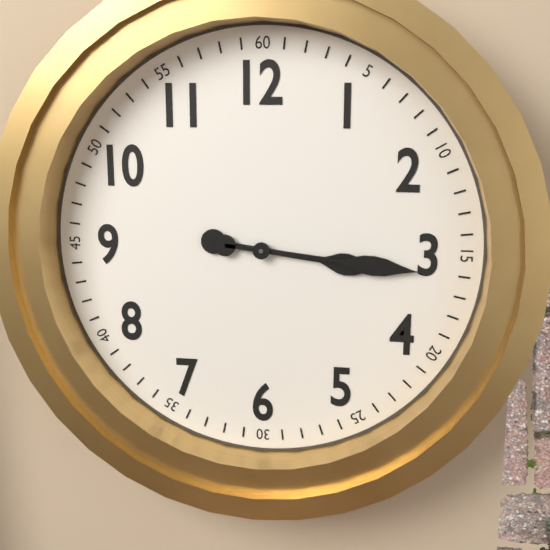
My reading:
3 h 16 min
